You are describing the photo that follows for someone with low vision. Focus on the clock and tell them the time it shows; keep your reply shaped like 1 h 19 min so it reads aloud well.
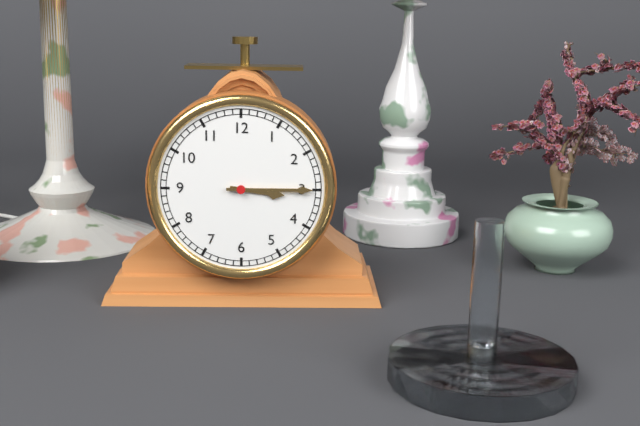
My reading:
3 h 15 min
